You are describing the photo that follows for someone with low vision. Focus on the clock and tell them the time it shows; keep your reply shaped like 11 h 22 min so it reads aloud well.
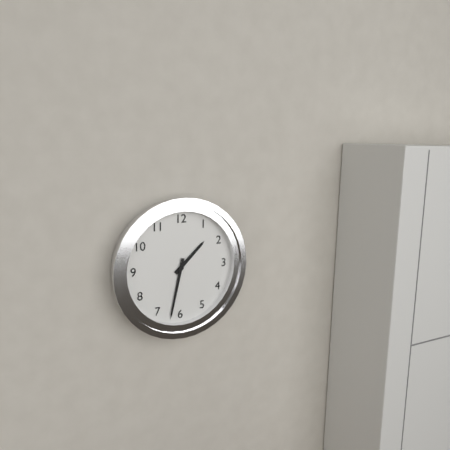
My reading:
1 h 32 min
